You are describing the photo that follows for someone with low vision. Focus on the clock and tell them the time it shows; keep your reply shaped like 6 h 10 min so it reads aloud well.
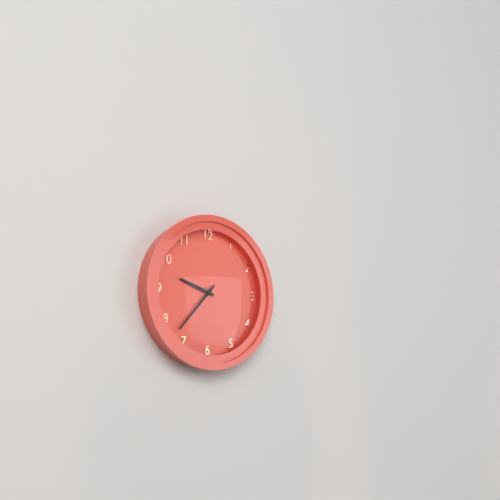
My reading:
9 h 37 min
